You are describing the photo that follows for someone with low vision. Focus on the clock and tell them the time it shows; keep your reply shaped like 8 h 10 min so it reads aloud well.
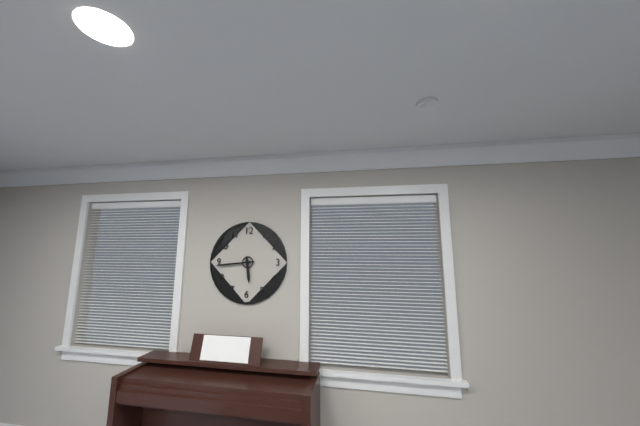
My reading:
5 h 44 min
